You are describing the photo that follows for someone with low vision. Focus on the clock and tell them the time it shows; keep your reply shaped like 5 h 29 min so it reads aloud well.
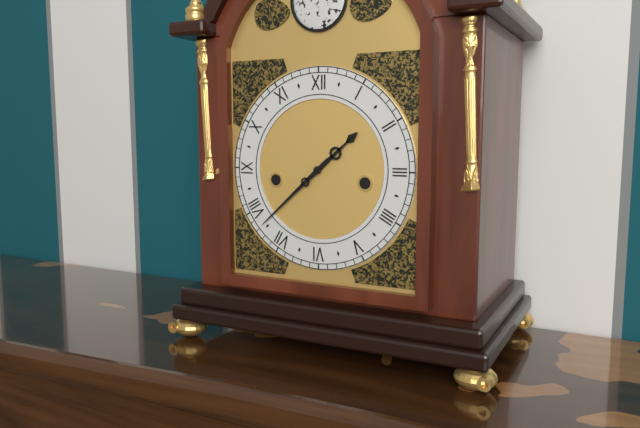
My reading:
1 h 38 min
